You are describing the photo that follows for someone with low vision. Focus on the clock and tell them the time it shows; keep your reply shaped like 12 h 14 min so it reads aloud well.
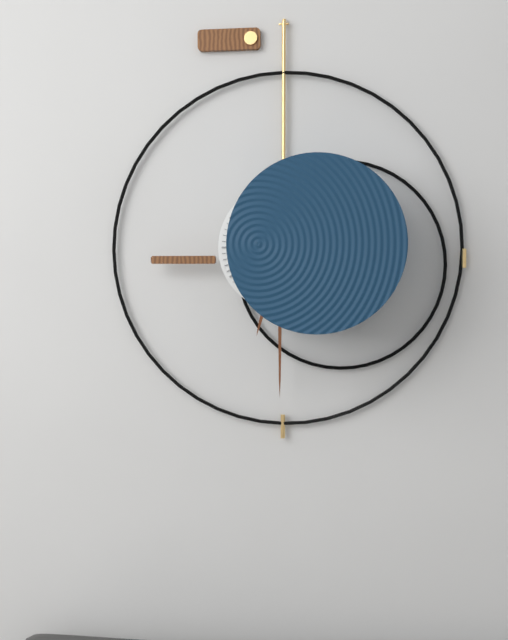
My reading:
6 h 30 min
